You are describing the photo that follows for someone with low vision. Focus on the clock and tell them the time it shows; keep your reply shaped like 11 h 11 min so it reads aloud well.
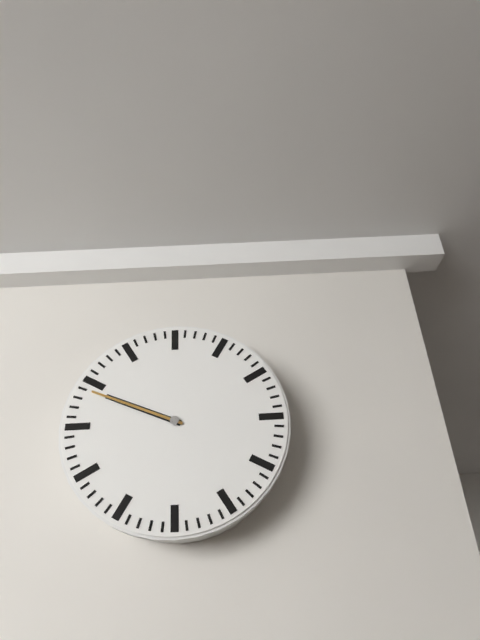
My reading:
9 h 49 min
